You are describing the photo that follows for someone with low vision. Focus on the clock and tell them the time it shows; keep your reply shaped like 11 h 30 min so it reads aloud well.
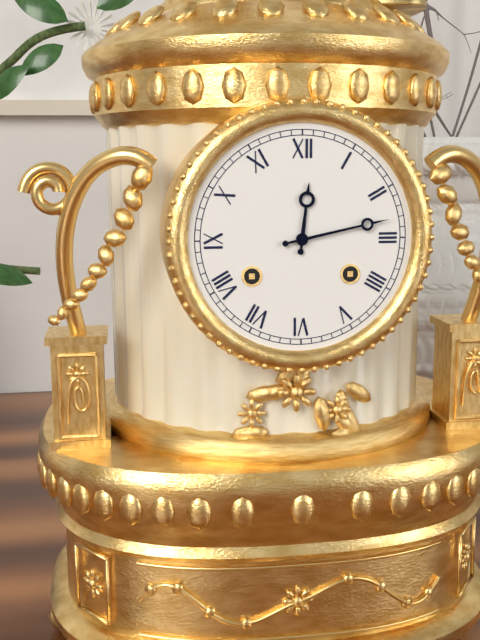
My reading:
12 h 13 min
